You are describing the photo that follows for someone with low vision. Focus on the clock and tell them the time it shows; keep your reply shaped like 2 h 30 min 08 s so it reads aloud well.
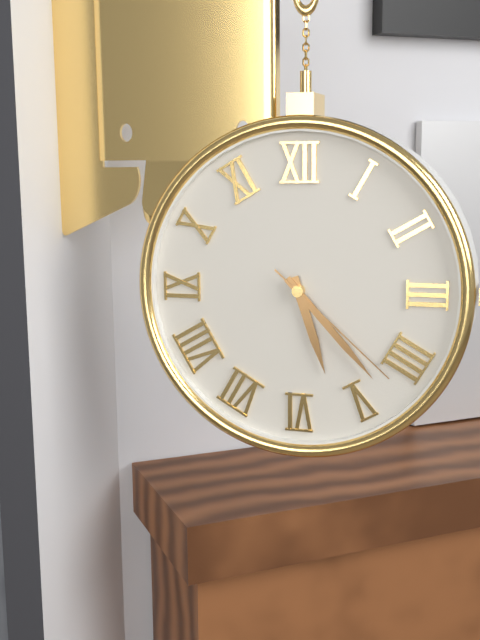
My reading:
5 h 23 min 22 s
